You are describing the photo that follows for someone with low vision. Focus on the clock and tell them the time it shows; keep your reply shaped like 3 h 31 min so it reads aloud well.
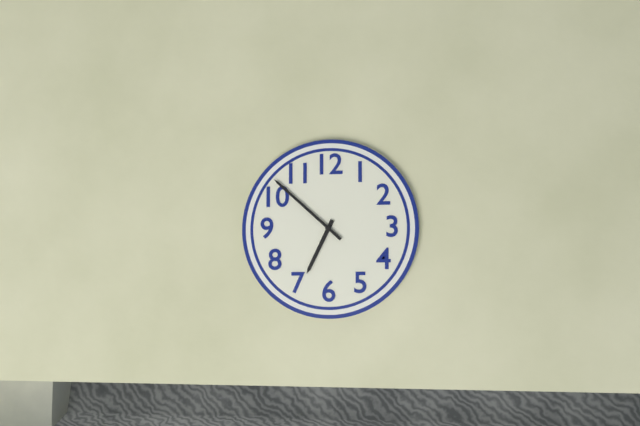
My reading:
6 h 52 min
